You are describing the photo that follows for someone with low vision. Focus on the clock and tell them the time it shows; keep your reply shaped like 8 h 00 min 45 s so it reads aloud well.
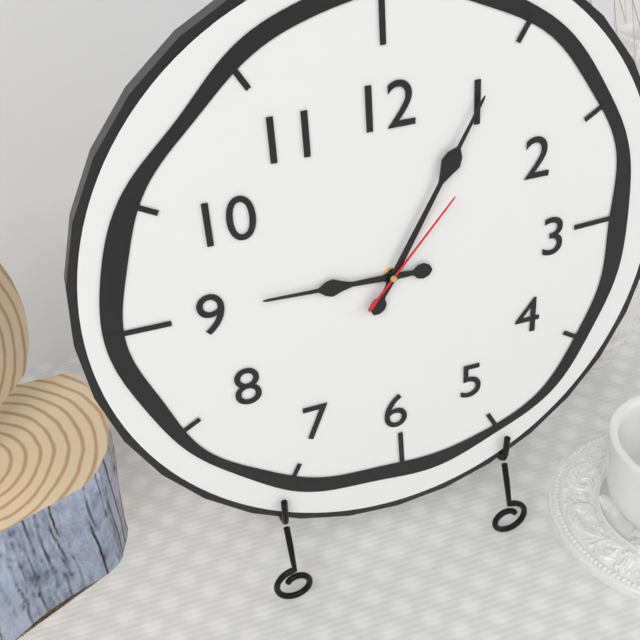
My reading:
9 h 05 min 07 s
